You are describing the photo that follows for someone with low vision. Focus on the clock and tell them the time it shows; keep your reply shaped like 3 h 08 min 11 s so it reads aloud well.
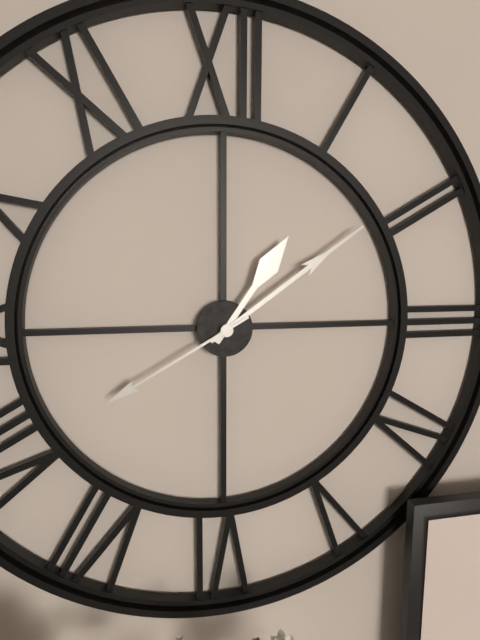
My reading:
1 h 09 min 40 s
